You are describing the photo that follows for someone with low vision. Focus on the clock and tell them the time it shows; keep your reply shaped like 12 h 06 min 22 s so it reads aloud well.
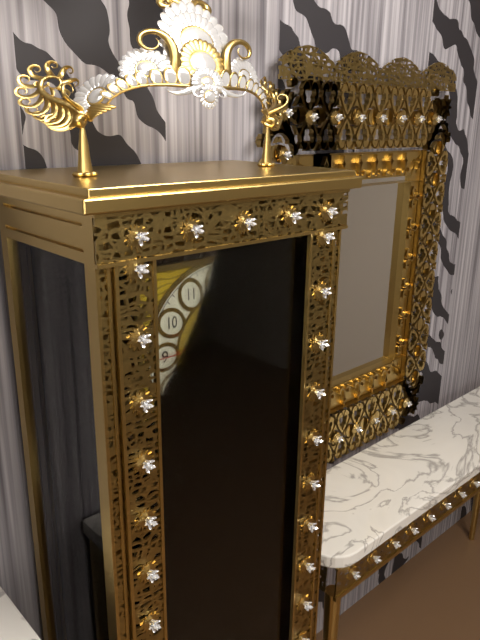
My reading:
11 h 20 min 45 s
